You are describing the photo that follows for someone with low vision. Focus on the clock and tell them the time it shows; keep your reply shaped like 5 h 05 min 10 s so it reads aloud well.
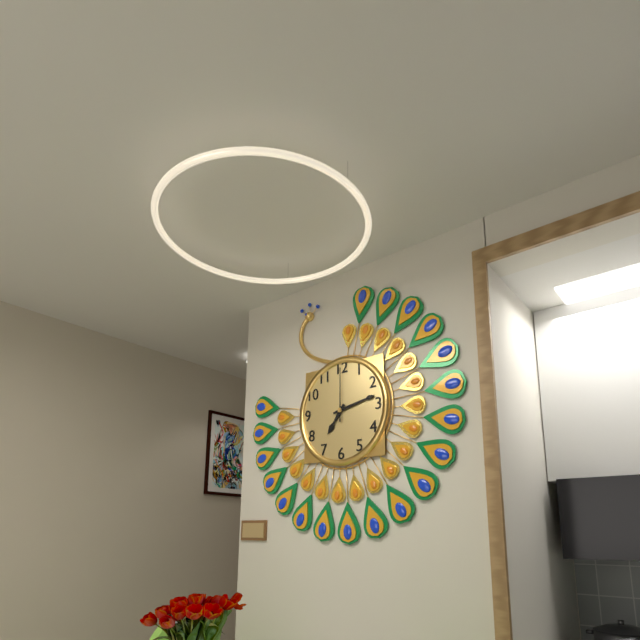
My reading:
7 h 13 min 00 s
